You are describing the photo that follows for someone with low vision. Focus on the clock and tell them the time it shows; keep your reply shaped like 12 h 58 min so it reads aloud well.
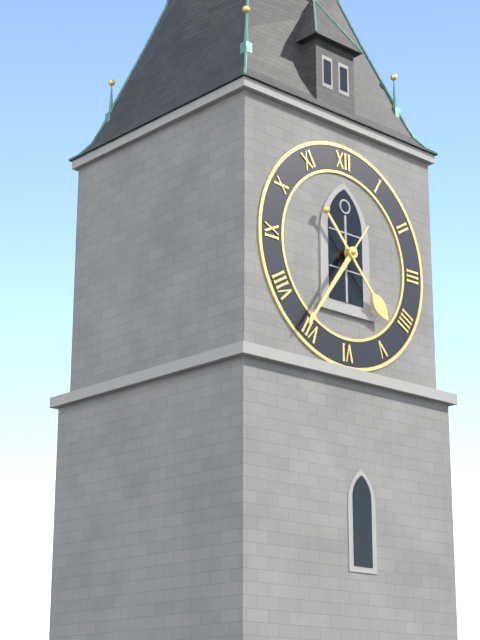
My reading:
4 h 36 min
